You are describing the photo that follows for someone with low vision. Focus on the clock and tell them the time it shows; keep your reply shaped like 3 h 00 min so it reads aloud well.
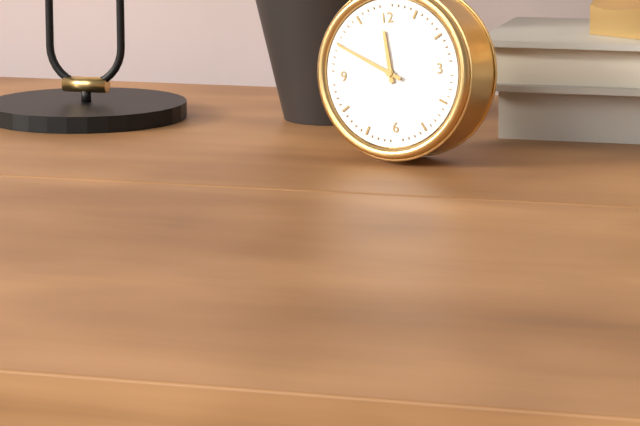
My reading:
11 h 50 min
